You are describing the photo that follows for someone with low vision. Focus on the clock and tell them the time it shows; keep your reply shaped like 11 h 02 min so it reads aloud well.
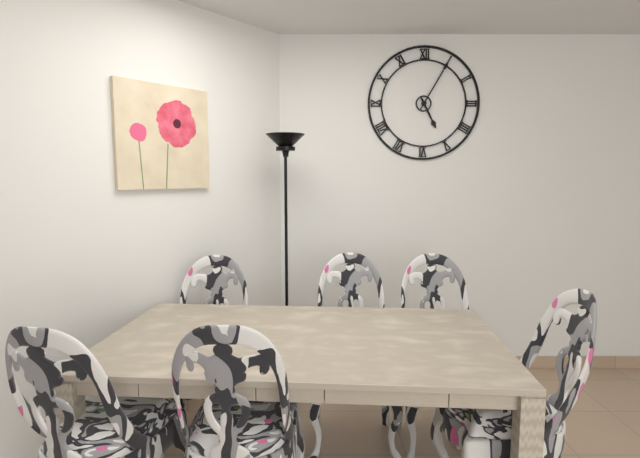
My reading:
5 h 05 min
